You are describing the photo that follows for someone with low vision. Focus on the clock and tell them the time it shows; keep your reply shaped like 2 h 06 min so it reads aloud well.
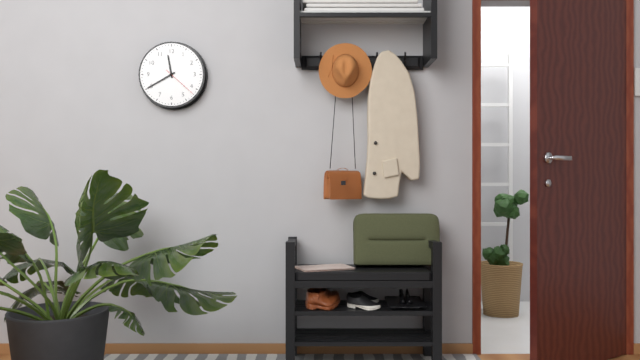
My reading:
11 h 40 min
